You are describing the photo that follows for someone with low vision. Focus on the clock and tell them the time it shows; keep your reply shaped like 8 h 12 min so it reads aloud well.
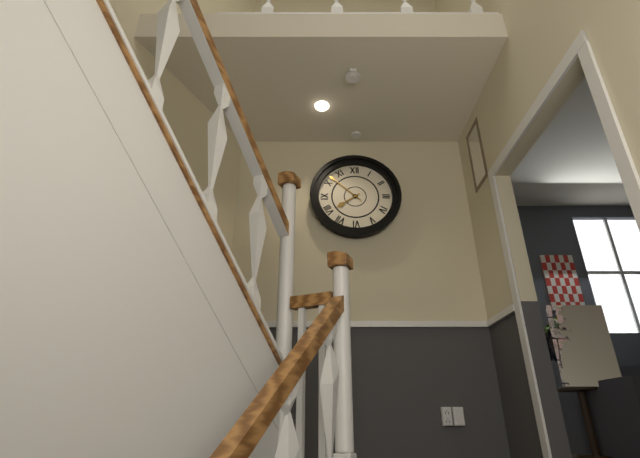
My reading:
7 h 52 min
